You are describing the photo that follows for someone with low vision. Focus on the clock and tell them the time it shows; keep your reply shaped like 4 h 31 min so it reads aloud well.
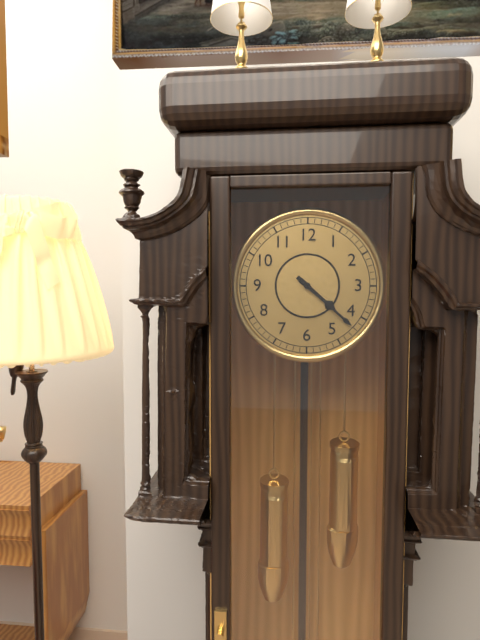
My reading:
4 h 22 min
